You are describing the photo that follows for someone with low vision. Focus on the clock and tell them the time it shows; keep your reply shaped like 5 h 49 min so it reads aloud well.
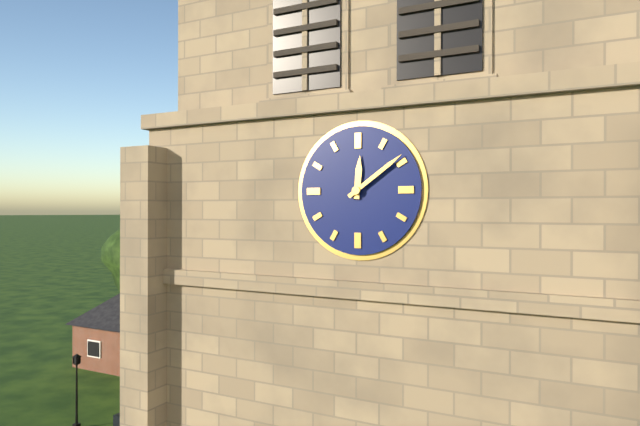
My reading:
12 h 09 min
